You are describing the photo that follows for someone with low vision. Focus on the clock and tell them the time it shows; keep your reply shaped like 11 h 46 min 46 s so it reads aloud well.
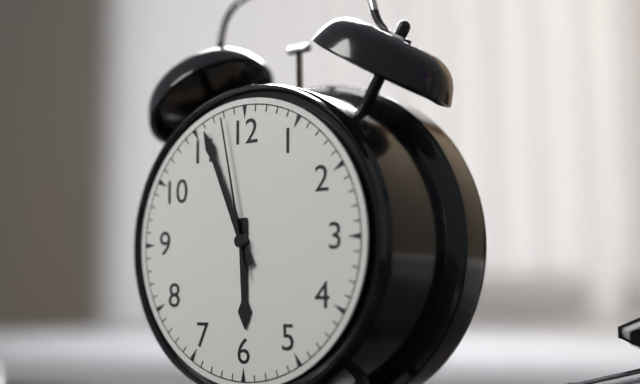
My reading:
5 h 56 min 58 s
